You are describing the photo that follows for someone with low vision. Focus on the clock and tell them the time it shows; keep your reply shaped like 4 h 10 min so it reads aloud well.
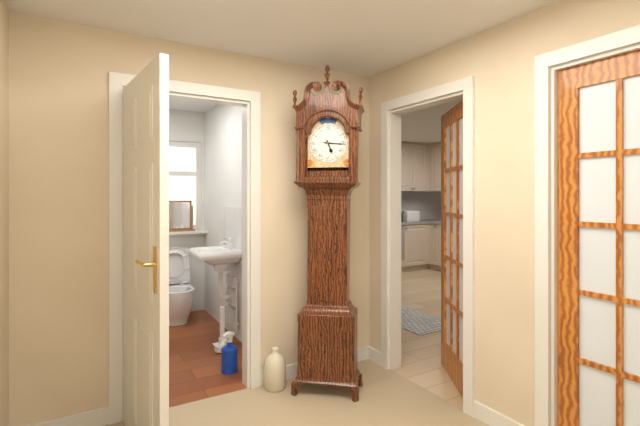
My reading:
5 h 16 min
